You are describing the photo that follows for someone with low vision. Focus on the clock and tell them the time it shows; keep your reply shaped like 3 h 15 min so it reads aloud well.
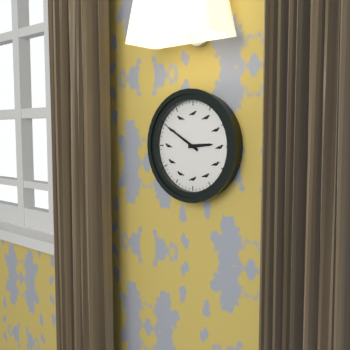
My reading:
2 h 50 min
